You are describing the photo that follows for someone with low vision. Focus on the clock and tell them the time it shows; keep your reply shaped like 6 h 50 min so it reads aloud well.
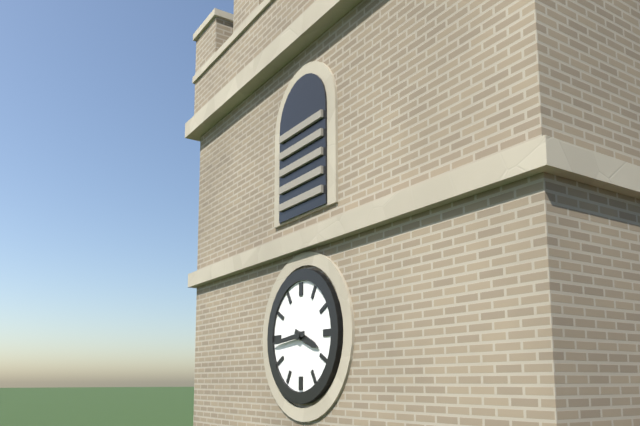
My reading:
3 h 44 min
